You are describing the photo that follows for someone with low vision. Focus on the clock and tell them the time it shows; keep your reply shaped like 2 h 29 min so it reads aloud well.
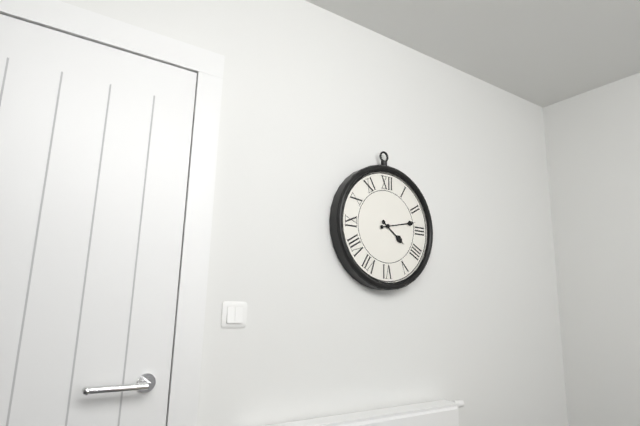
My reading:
4 h 13 min
